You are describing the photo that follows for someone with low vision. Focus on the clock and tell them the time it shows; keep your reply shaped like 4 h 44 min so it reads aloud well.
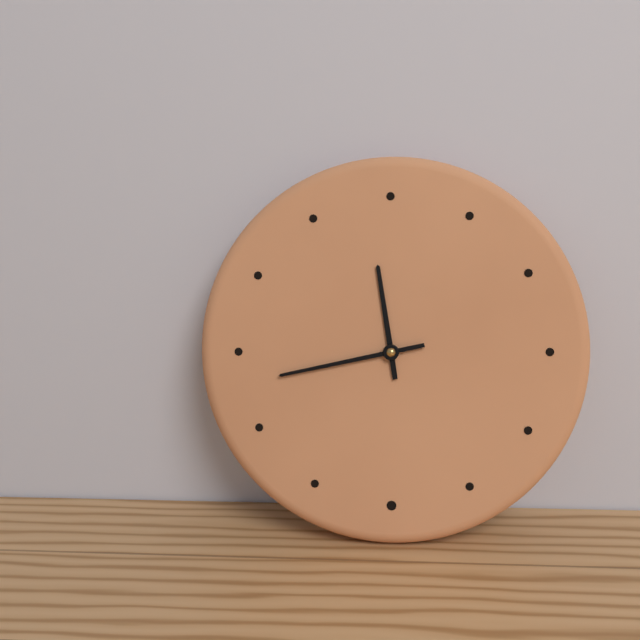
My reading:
11 h 43 min
